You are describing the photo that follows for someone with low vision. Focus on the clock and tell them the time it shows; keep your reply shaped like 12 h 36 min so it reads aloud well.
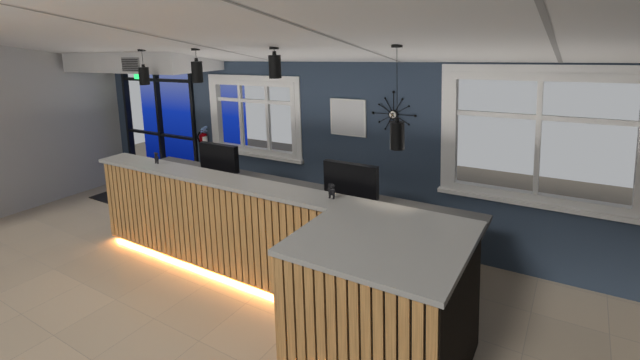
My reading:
6 h 52 min
